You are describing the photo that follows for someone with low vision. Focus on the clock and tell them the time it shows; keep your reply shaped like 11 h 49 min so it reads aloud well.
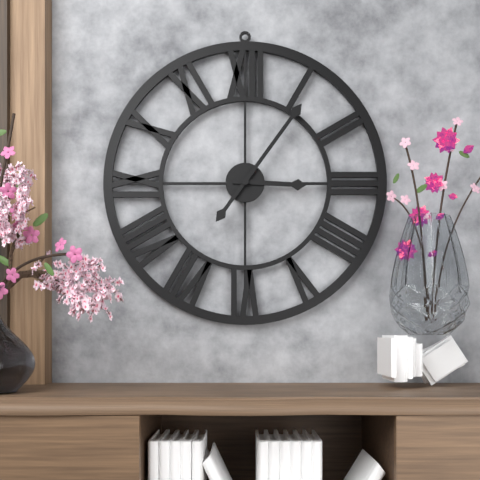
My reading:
3 h 06 min
